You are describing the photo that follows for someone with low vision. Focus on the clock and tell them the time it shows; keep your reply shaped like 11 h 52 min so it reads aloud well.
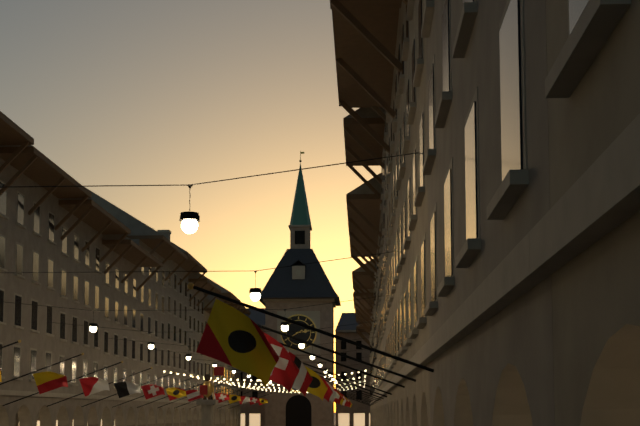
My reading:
2 h 40 min
